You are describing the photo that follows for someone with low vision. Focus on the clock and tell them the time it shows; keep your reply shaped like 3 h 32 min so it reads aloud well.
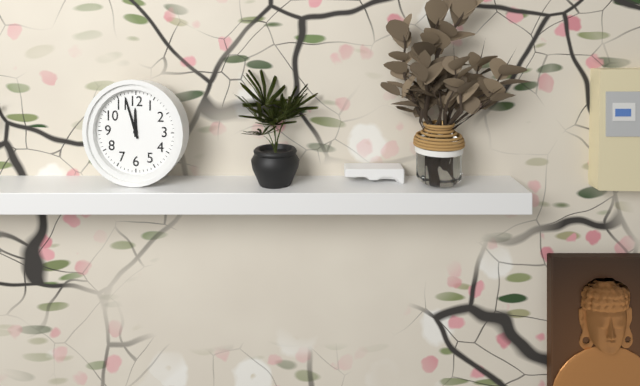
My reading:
11 h 57 min
